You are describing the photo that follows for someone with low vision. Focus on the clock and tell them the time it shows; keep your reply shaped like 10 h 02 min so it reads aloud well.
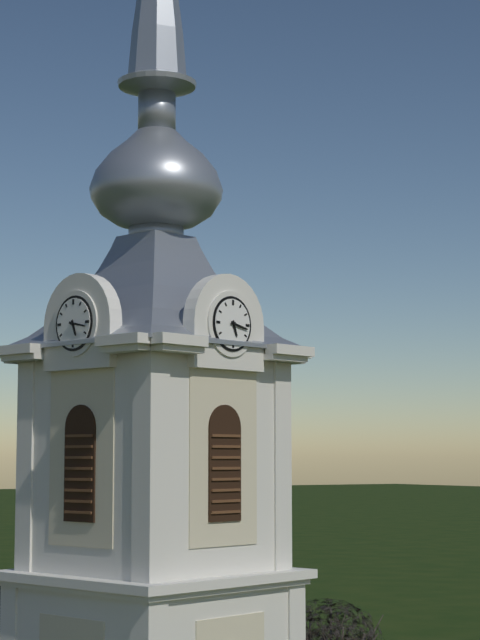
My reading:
5 h 17 min
